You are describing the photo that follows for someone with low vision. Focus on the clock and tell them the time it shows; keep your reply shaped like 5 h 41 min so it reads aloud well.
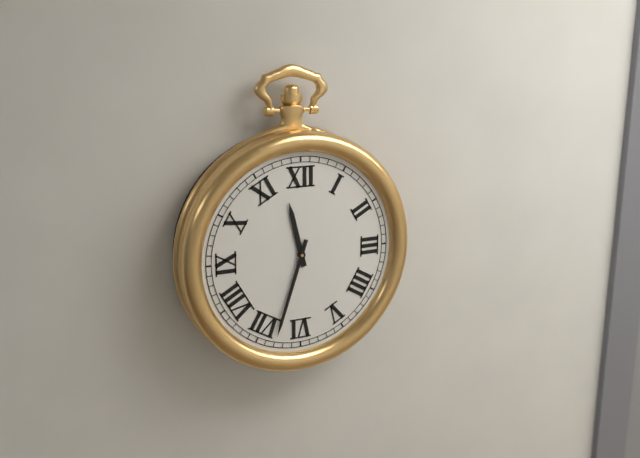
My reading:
11 h 33 min
